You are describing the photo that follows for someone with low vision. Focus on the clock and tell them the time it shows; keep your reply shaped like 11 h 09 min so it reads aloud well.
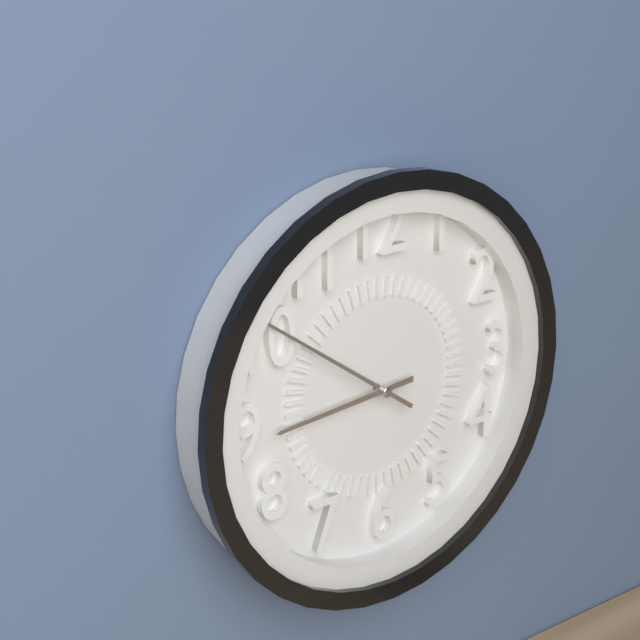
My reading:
8 h 51 min
